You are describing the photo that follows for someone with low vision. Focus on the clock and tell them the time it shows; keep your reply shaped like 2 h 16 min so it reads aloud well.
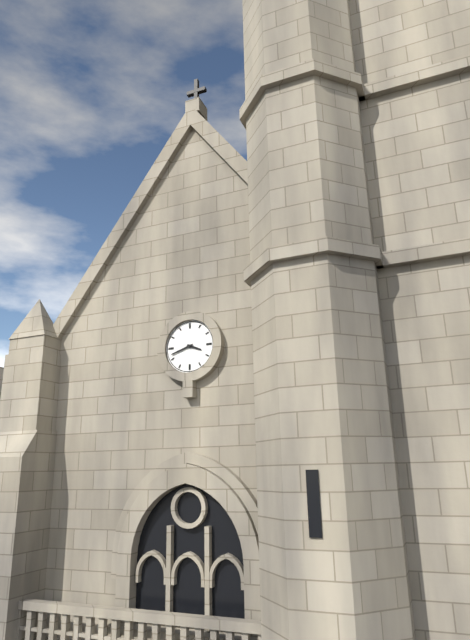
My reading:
3 h 42 min
